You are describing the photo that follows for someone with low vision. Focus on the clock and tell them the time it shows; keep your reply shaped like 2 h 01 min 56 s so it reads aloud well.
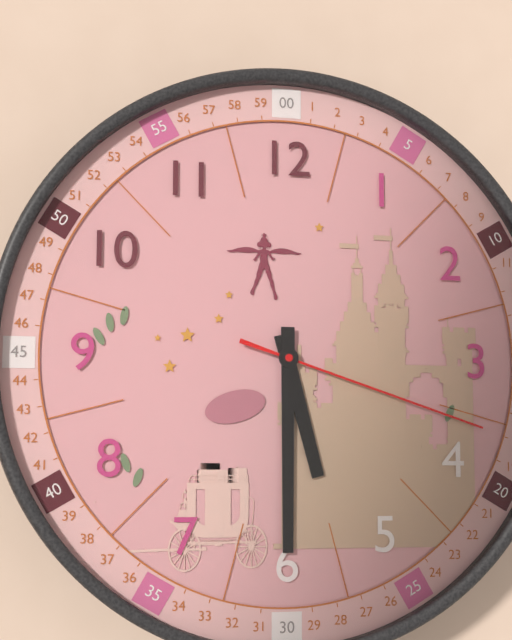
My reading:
5 h 30 min 18 s
